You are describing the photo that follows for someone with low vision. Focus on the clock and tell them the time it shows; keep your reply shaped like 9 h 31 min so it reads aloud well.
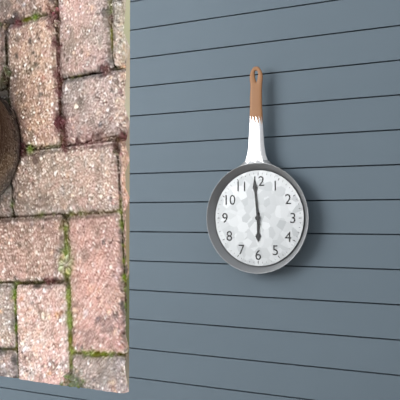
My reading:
5 h 59 min
